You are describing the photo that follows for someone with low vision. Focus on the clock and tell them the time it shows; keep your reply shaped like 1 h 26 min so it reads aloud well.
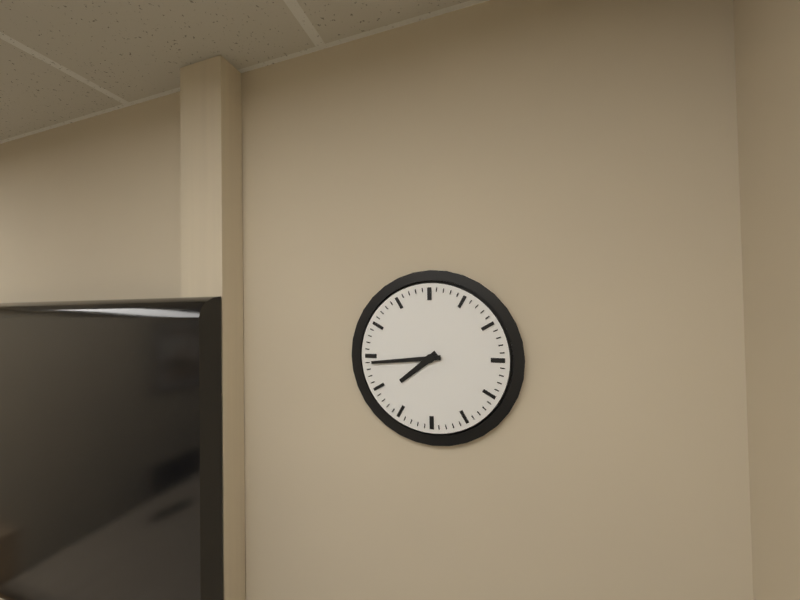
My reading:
7 h 44 min
